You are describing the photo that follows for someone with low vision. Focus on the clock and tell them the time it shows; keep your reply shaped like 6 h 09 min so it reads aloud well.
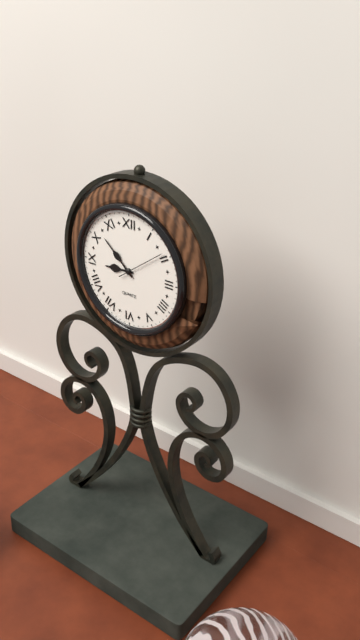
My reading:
8 h 52 min
